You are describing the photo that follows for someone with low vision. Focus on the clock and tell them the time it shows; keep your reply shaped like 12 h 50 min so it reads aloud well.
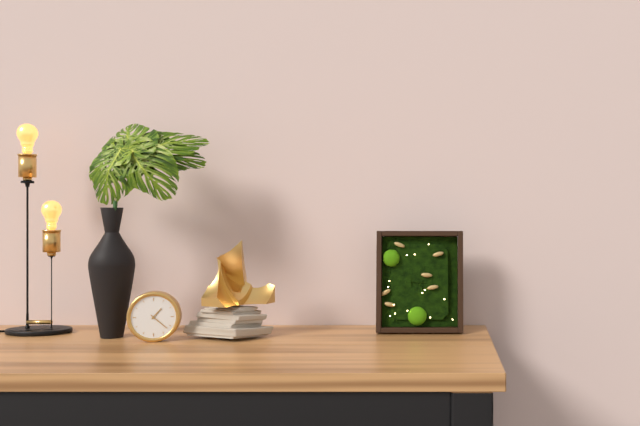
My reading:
1 h 22 min
